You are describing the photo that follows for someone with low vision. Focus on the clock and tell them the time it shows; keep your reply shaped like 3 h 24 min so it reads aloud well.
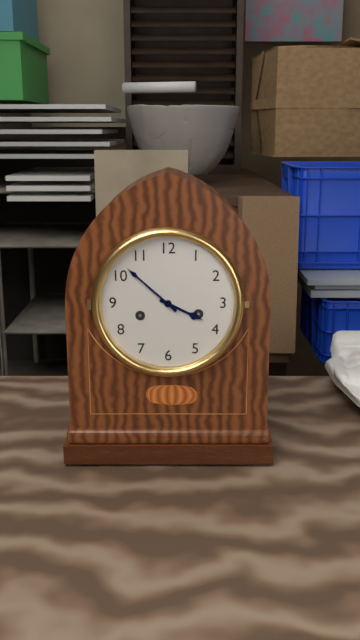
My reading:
3 h 52 min
